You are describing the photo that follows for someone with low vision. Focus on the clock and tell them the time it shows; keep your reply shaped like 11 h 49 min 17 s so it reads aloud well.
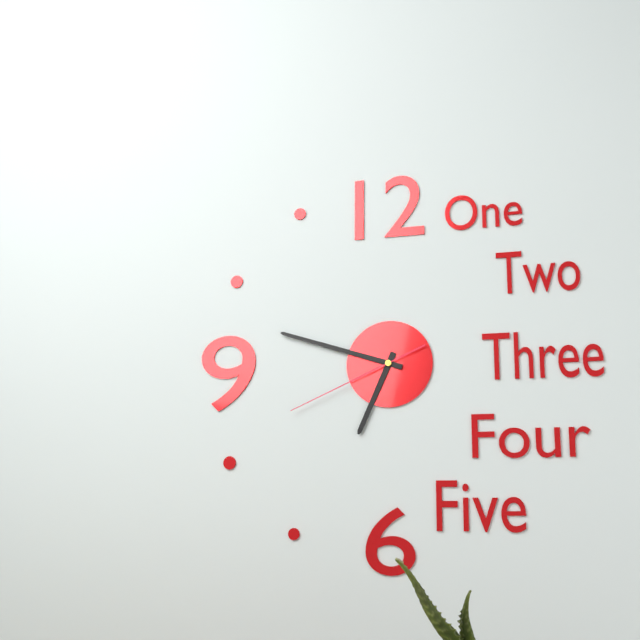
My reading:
6 h 48 min 41 s
